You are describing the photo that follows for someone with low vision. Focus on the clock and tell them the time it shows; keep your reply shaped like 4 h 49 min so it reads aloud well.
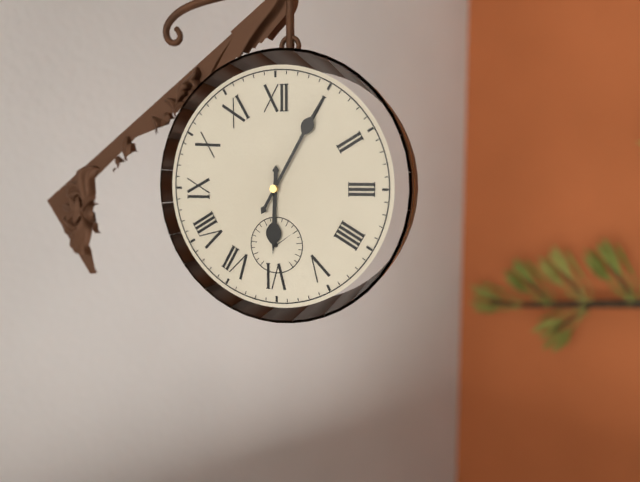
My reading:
6 h 05 min
